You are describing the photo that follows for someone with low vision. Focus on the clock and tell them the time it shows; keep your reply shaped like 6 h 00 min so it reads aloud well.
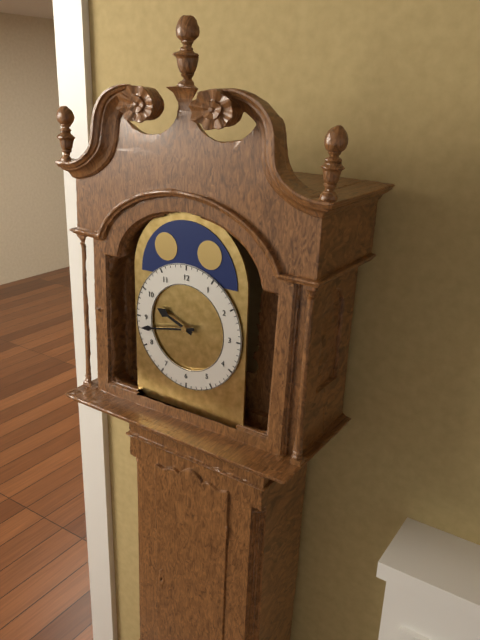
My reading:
9 h 43 min
